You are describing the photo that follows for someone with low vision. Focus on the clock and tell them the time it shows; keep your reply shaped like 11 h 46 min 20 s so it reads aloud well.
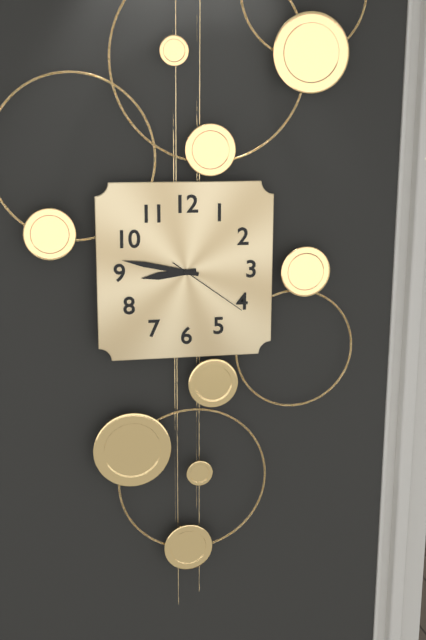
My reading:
8 h 47 min 21 s
